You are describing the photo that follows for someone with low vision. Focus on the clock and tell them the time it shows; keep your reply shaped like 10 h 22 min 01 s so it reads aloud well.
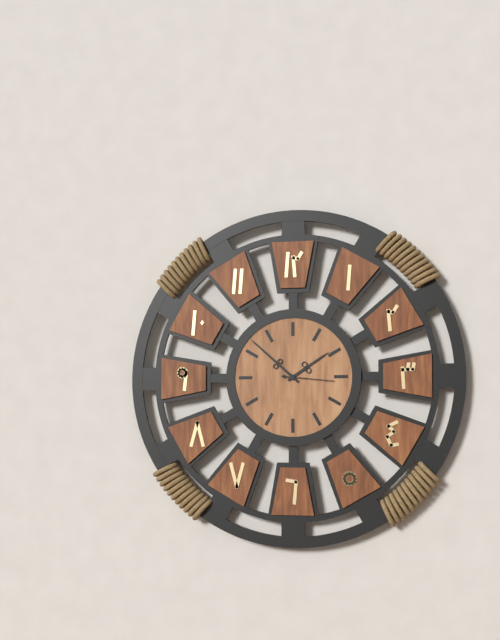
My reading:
1 h 52 min 16 s
